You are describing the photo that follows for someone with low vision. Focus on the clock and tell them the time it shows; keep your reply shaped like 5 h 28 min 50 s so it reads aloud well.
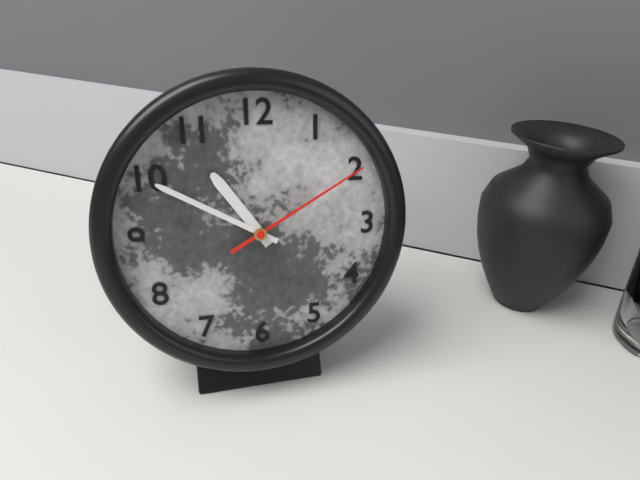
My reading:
10 h 50 min 10 s
